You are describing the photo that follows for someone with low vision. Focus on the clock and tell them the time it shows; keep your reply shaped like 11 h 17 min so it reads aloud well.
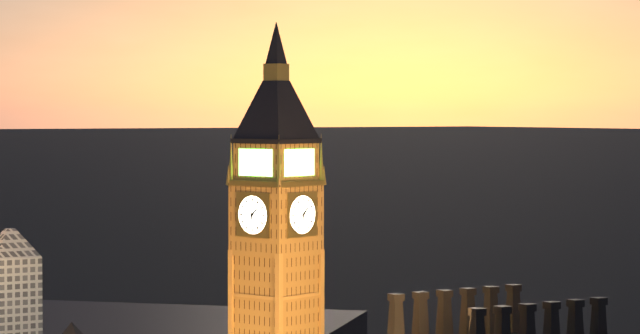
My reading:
1 h 31 min
